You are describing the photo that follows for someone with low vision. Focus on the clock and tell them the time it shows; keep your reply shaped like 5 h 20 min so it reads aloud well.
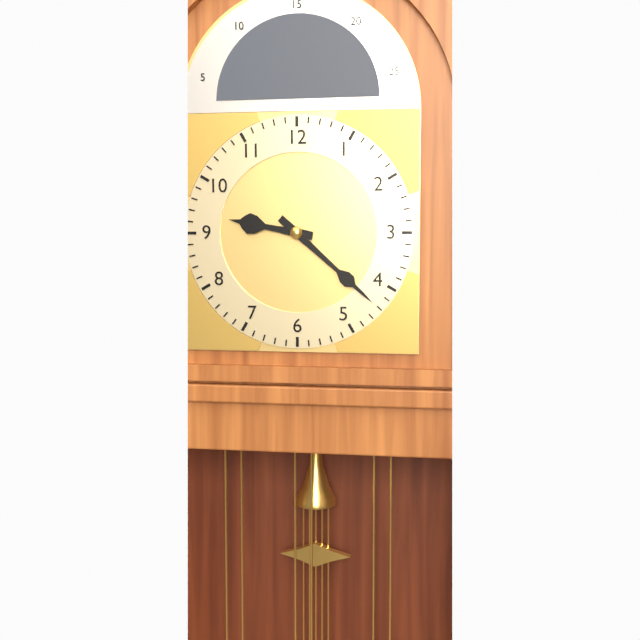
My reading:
9 h 22 min
